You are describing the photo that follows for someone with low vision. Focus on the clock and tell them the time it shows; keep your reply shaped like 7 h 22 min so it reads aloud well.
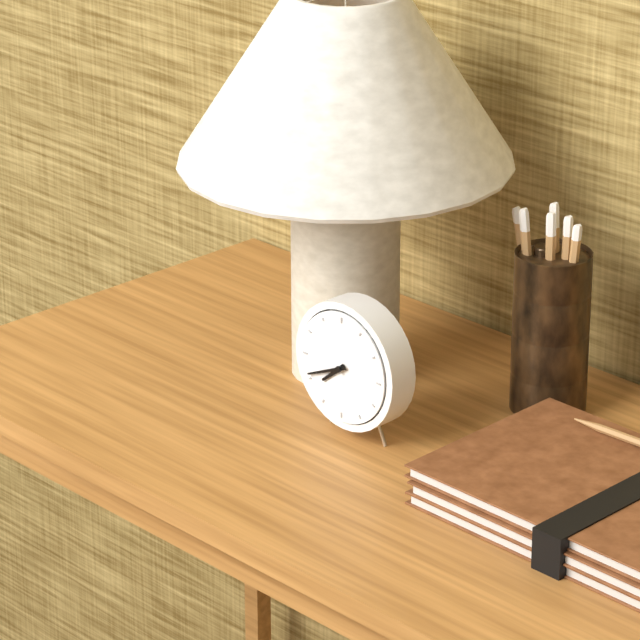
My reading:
7 h 41 min
